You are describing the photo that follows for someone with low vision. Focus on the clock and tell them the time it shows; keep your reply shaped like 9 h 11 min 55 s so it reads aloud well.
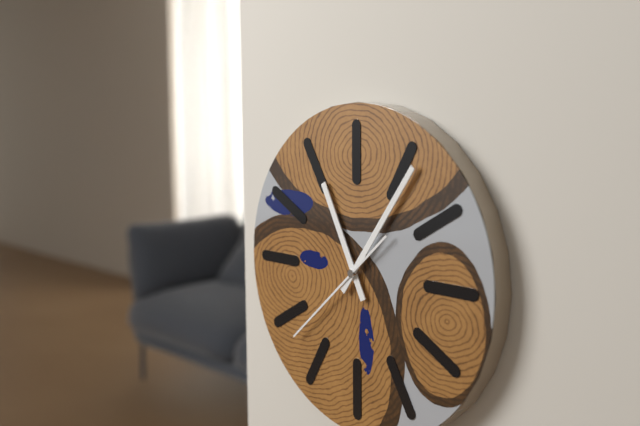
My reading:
11 h 06 min 38 s
